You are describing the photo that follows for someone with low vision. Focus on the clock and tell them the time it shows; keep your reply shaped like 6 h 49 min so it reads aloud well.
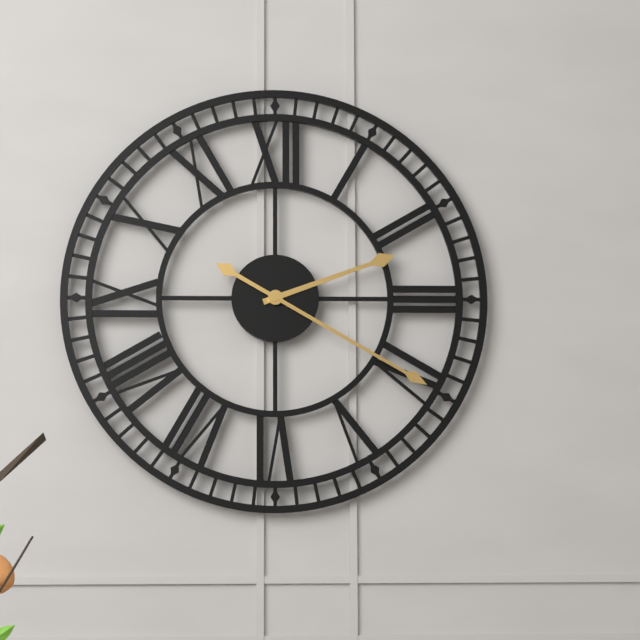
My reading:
2 h 20 min
